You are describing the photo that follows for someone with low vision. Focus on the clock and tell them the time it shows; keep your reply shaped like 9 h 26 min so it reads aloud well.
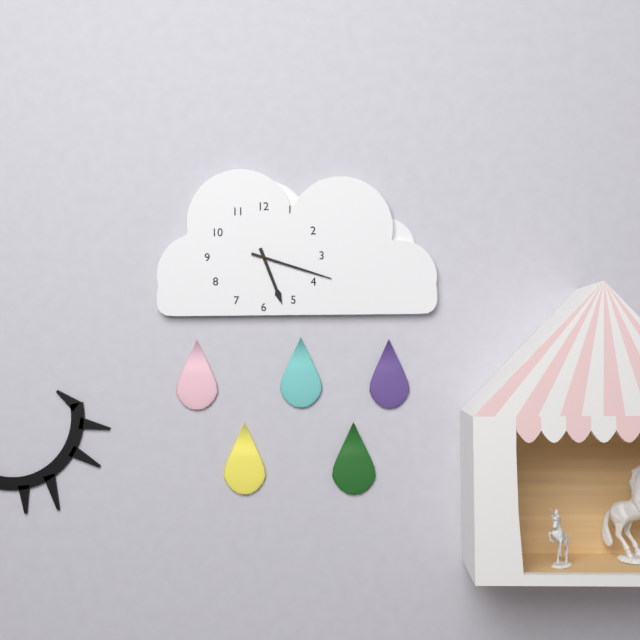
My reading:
5 h 18 min
